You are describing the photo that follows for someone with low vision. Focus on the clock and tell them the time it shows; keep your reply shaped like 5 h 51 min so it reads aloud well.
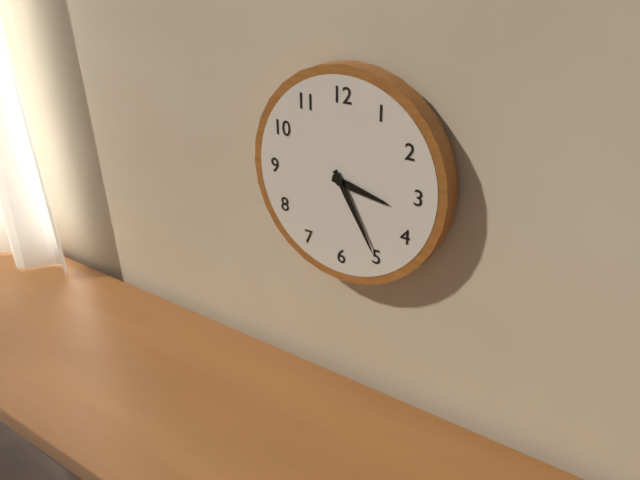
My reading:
3 h 25 min
